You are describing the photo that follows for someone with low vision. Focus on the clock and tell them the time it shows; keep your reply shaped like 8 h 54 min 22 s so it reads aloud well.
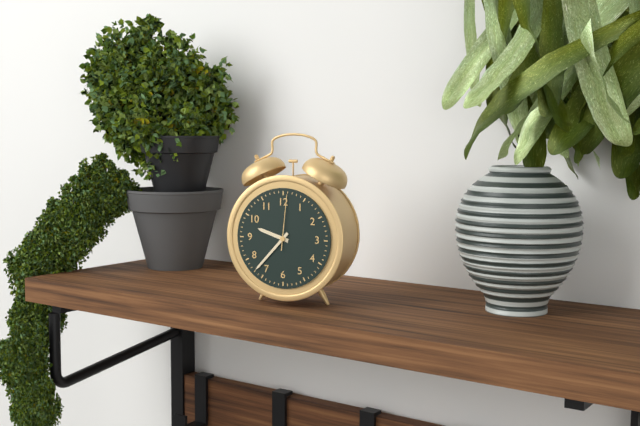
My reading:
9 h 37 min 01 s
